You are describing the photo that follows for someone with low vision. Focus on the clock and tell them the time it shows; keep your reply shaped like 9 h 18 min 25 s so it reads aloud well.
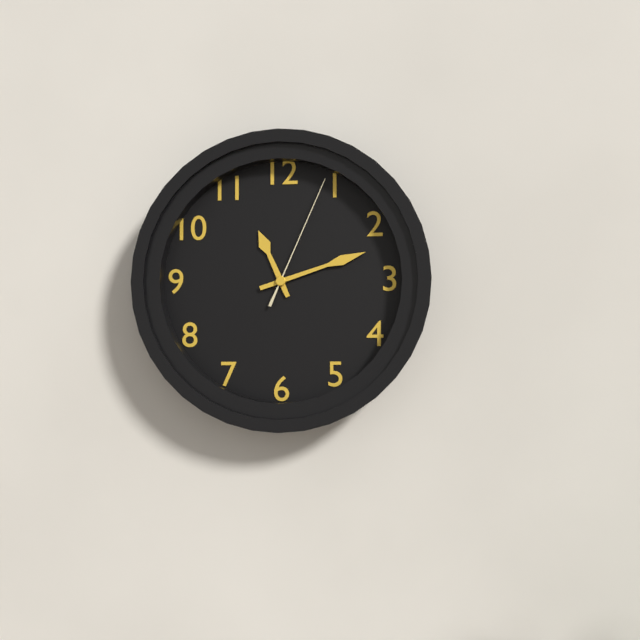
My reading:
11 h 12 min 04 s
